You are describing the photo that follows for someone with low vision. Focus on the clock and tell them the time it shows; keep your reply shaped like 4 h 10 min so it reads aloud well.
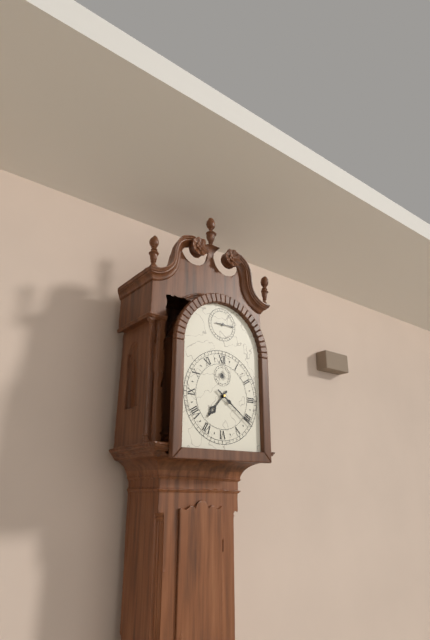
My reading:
7 h 21 min
